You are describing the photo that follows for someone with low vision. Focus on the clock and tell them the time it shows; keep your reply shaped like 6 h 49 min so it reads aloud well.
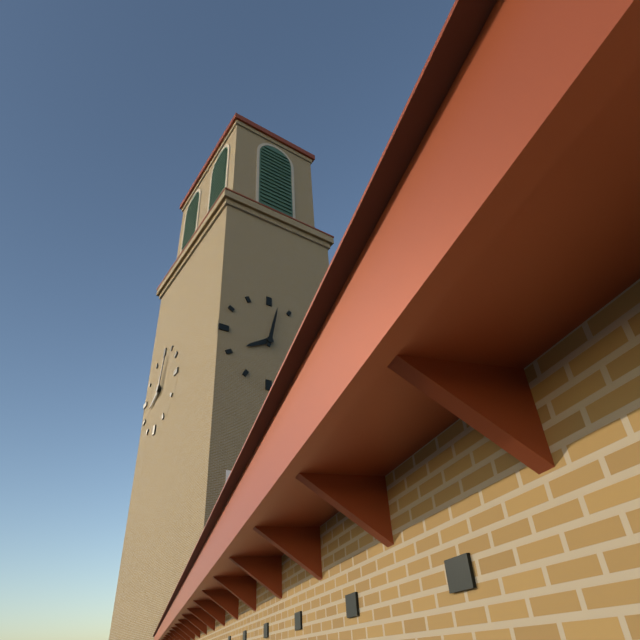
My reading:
8 h 02 min
